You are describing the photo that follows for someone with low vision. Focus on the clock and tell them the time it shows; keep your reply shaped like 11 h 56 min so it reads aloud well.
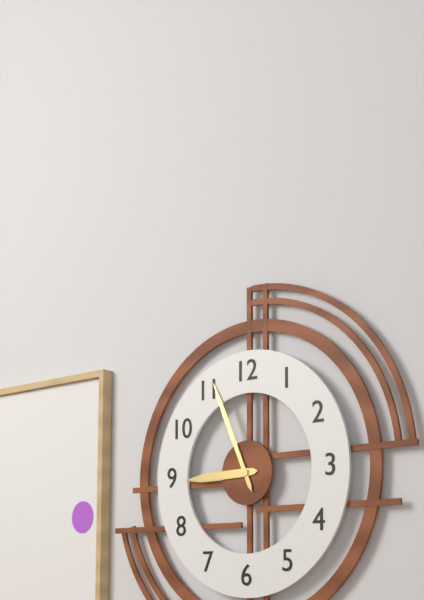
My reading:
8 h 56 min
